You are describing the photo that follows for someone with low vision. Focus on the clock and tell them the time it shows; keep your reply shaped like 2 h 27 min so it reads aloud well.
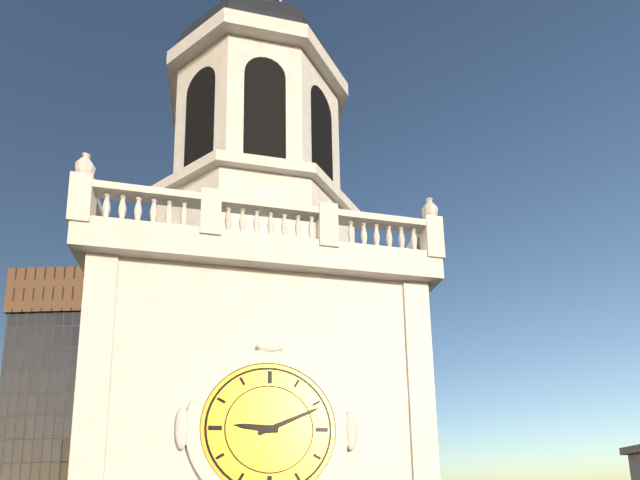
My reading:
9 h 11 min
